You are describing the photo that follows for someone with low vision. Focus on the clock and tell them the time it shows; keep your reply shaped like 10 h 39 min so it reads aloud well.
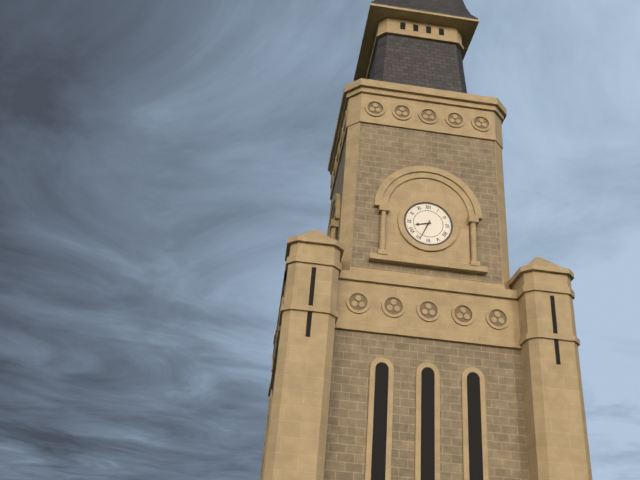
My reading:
8 h 34 min
